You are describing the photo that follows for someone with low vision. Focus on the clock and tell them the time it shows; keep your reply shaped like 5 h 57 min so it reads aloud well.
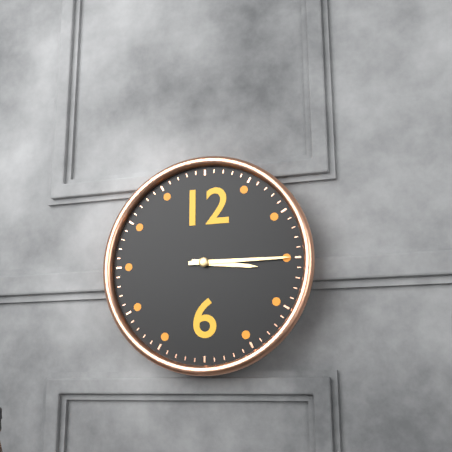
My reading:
3 h 15 min
